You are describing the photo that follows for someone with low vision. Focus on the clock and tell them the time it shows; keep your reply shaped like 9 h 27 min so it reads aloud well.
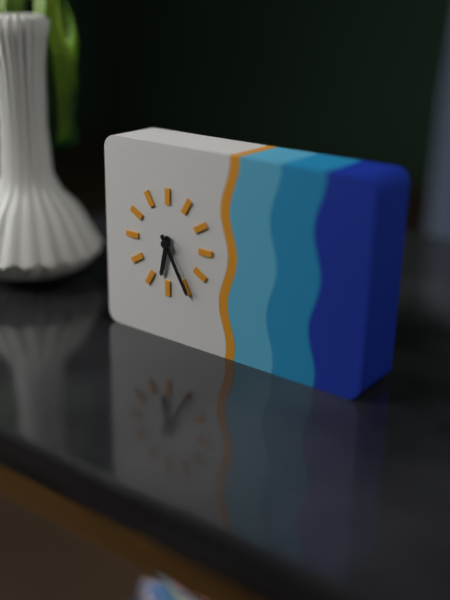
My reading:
6 h 25 min
